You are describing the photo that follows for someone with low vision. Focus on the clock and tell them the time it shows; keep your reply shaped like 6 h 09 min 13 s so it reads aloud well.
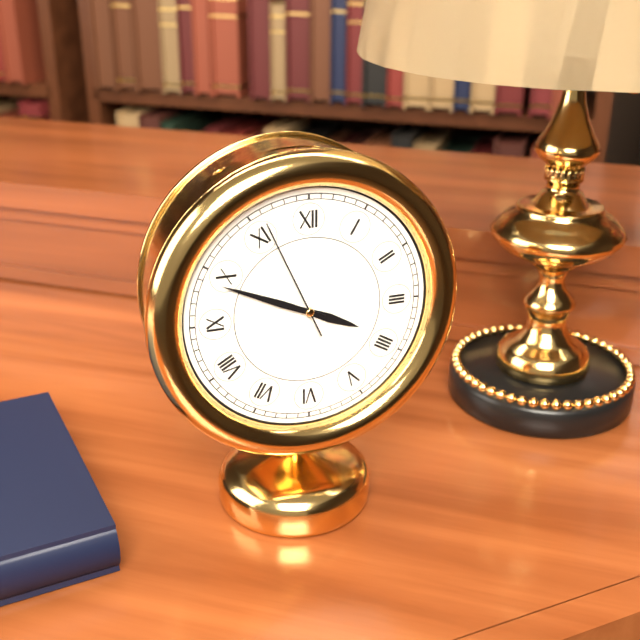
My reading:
3 h 49 min 56 s
